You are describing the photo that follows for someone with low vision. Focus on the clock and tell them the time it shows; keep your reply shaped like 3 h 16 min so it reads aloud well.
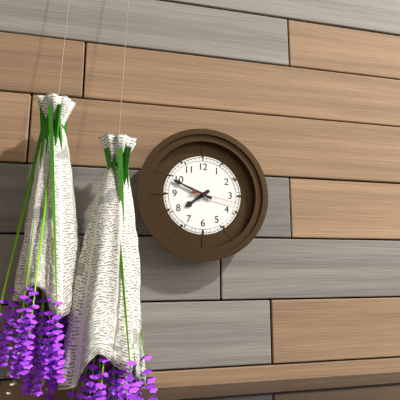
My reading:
7 h 49 min
